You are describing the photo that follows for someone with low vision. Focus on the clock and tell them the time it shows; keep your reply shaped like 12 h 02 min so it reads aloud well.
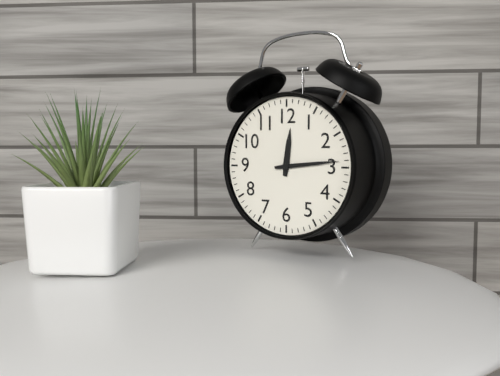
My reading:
12 h 14 min
